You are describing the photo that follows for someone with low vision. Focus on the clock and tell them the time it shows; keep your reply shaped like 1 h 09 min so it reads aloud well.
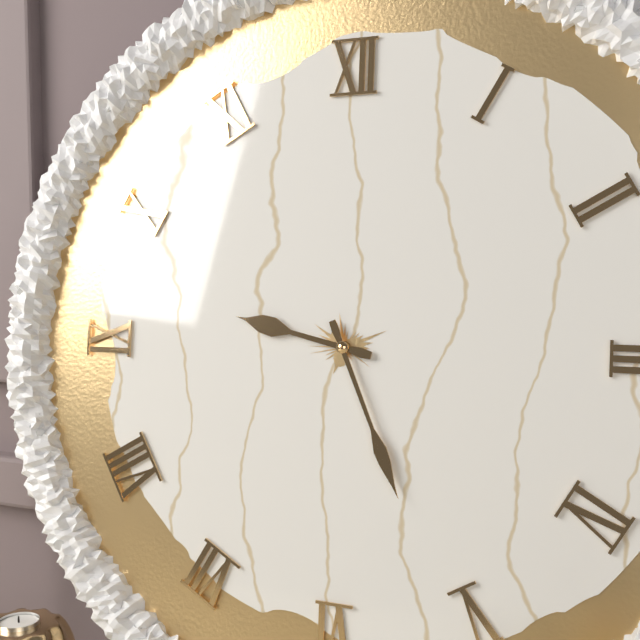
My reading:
9 h 26 min
